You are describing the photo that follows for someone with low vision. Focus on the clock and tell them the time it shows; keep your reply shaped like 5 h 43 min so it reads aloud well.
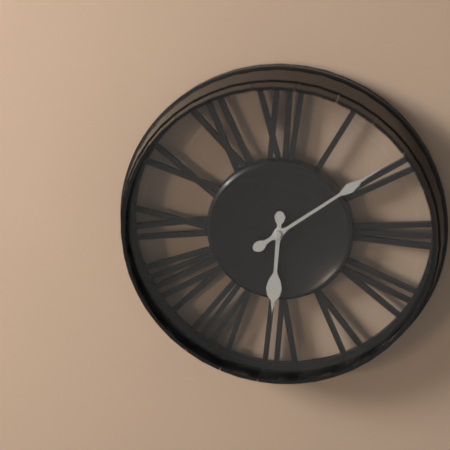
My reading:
6 h 09 min
